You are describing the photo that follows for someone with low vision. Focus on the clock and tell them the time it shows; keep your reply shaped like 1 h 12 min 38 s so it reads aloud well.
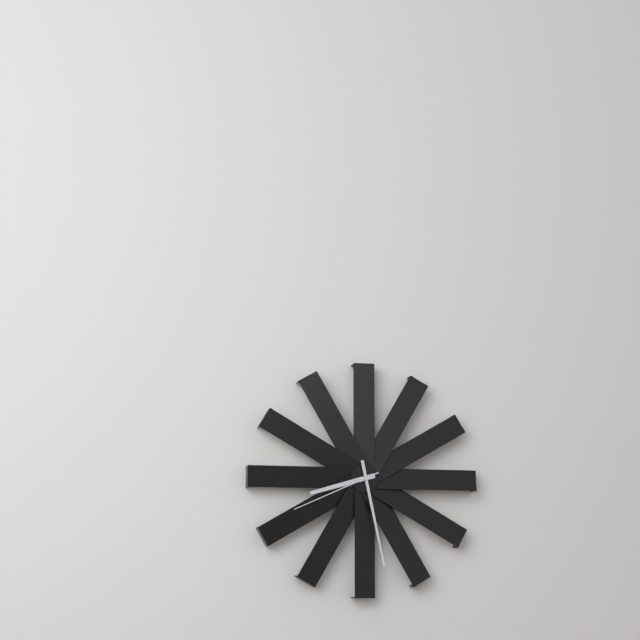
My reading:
8 h 28 min 41 s
